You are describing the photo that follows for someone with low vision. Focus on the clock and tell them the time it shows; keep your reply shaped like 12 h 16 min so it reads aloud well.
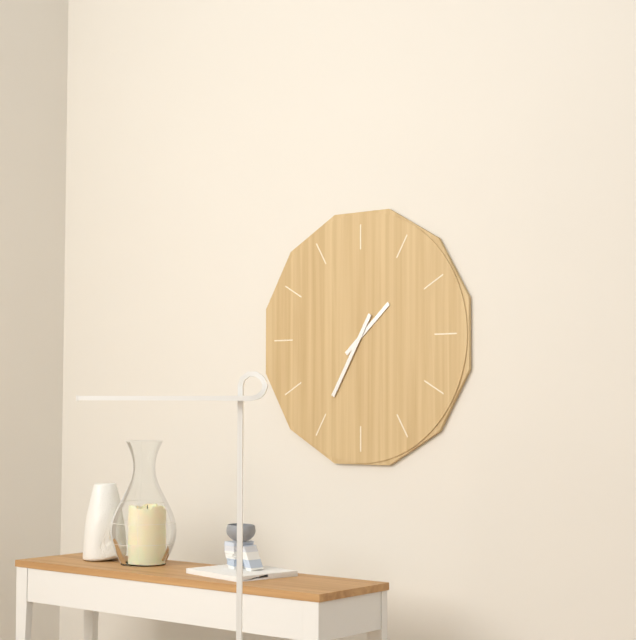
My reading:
1 h 35 min
